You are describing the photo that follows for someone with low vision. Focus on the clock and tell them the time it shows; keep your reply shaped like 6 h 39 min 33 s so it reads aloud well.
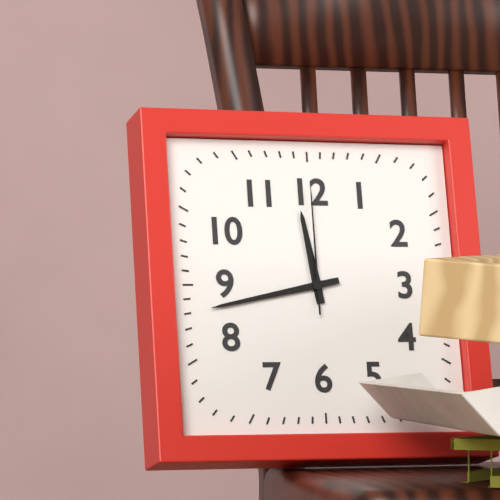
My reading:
11 h 43 min 00 s
